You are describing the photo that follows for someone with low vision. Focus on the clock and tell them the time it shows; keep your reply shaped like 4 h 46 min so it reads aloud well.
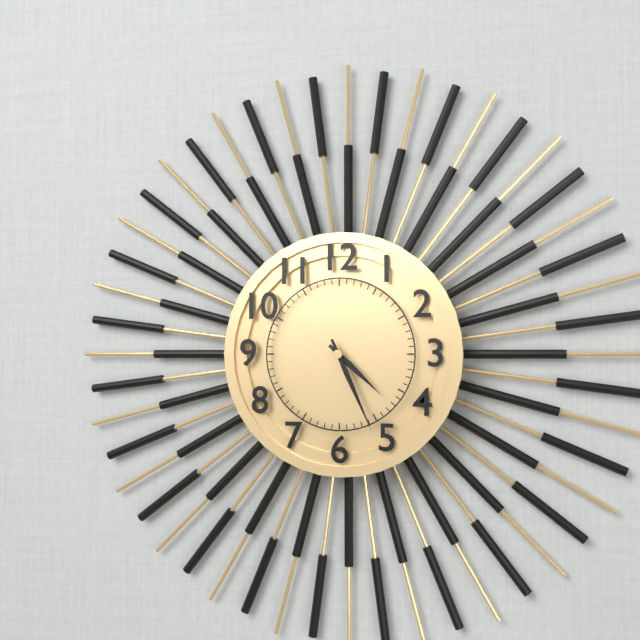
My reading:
4 h 26 min
